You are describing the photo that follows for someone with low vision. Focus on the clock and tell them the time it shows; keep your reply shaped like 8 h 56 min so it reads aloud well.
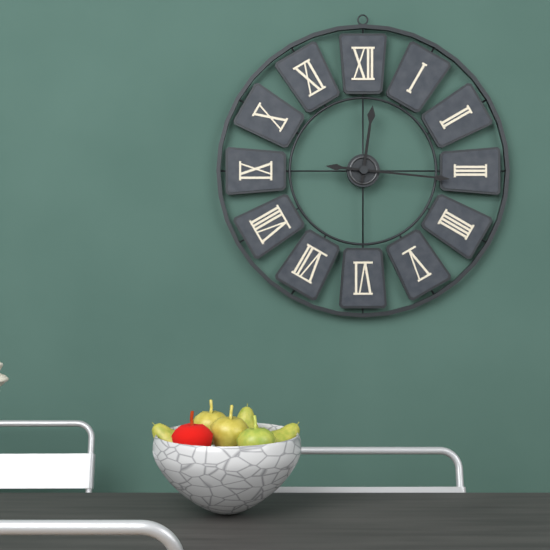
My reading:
12 h 16 min
